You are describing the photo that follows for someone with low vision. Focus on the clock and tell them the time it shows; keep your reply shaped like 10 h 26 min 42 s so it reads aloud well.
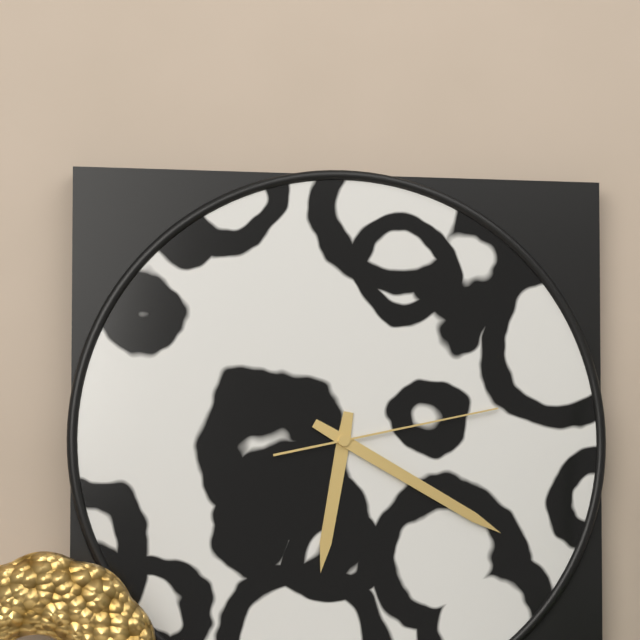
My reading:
6 h 20 min 13 s
